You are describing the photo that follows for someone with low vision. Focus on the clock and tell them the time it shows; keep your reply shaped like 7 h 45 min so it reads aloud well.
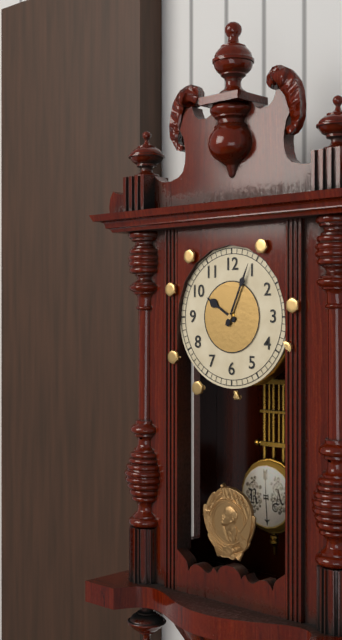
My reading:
10 h 04 min
